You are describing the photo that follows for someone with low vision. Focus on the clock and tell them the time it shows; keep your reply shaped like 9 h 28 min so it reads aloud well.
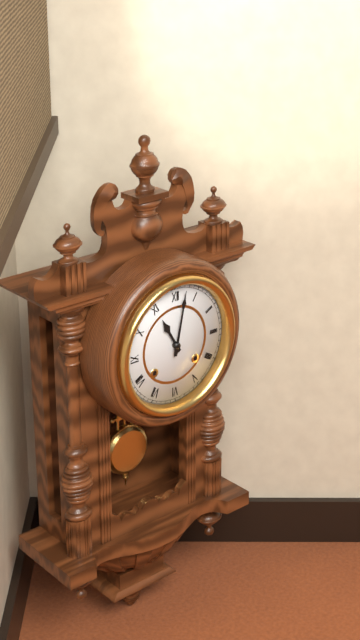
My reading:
11 h 02 min
